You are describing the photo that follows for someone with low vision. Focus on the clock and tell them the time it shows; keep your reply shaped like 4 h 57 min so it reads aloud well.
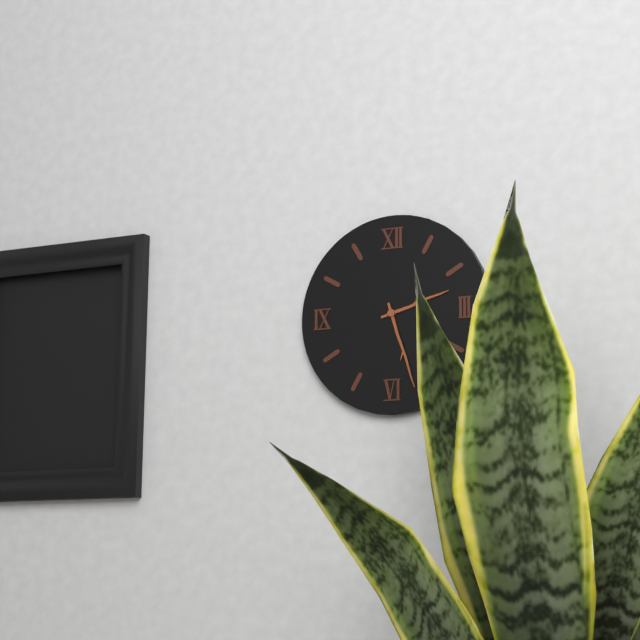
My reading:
2 h 27 min
